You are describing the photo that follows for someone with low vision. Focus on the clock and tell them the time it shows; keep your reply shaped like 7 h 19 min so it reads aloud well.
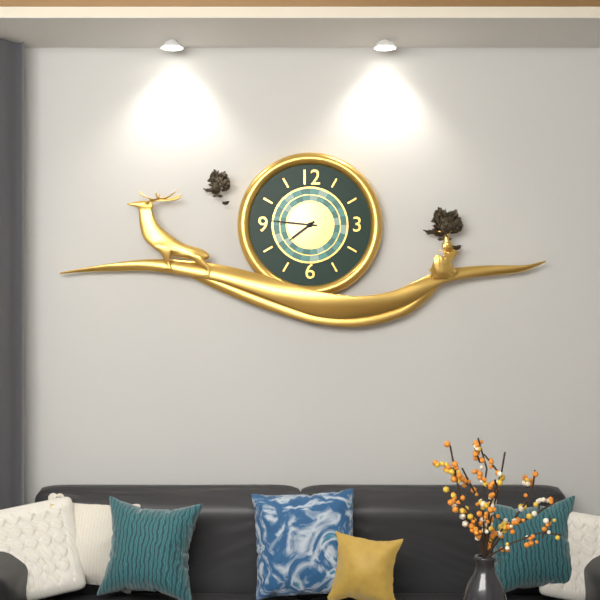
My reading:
7 h 46 min
